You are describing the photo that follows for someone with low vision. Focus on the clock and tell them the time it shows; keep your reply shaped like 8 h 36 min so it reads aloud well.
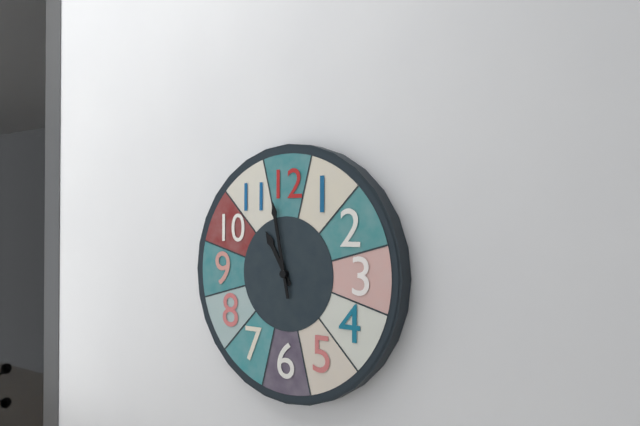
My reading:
10 h 58 min
